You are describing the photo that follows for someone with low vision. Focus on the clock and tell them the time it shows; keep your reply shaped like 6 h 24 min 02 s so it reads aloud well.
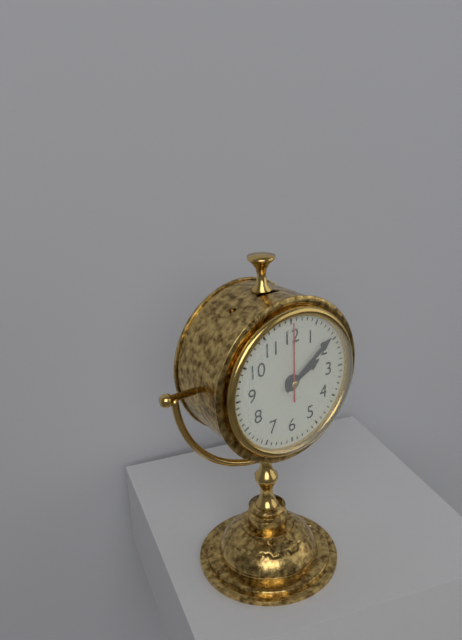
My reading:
2 h 09 min 00 s
